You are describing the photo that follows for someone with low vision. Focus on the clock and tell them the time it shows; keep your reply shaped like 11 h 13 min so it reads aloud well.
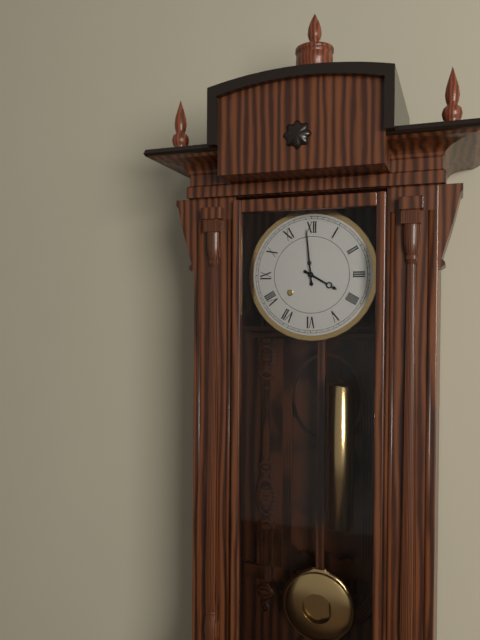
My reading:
3 h 59 min
